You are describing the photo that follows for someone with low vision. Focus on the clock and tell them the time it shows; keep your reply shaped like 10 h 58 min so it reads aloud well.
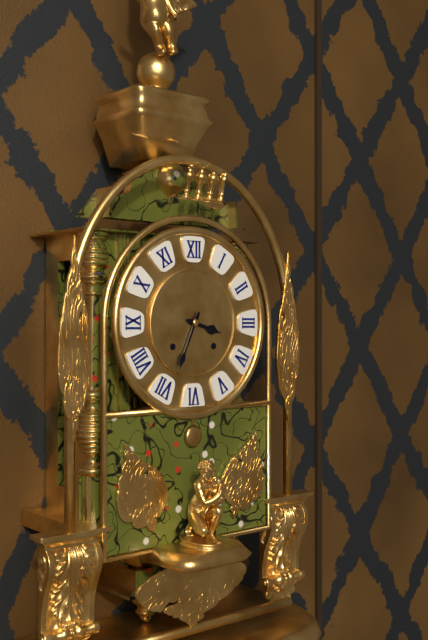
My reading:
3 h 34 min
